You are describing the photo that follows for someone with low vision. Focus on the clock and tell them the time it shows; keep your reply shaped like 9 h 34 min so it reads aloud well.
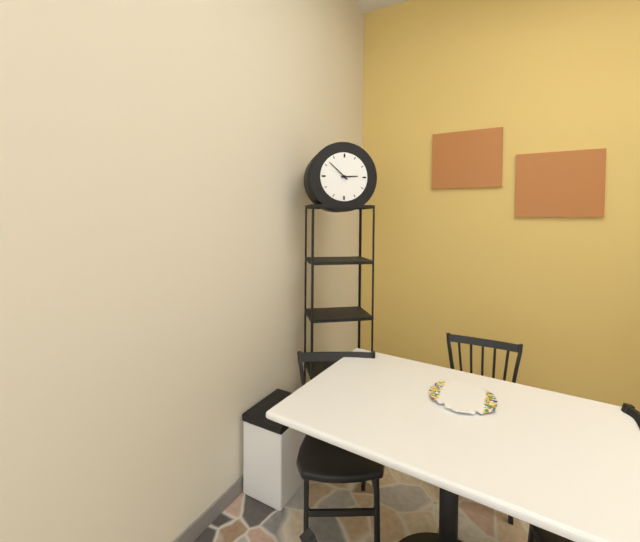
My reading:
2 h 52 min
